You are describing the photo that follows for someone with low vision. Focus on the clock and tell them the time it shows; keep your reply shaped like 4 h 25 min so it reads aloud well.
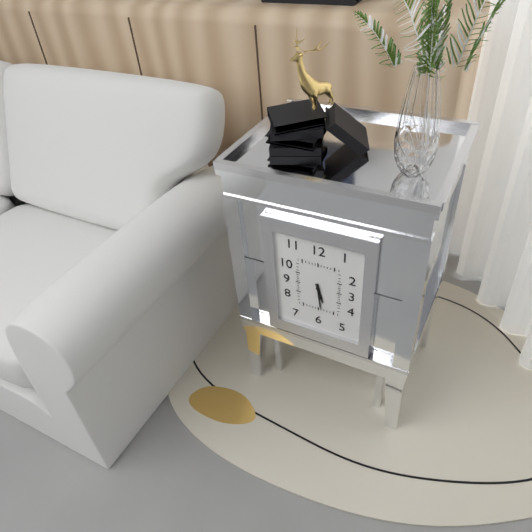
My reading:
5 h 29 min
